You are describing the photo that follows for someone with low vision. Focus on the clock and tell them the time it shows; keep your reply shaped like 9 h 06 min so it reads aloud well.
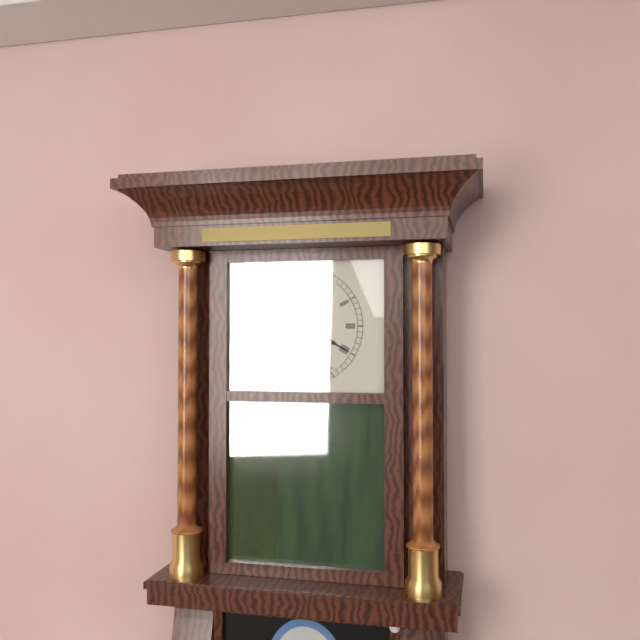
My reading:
1 h 20 min
